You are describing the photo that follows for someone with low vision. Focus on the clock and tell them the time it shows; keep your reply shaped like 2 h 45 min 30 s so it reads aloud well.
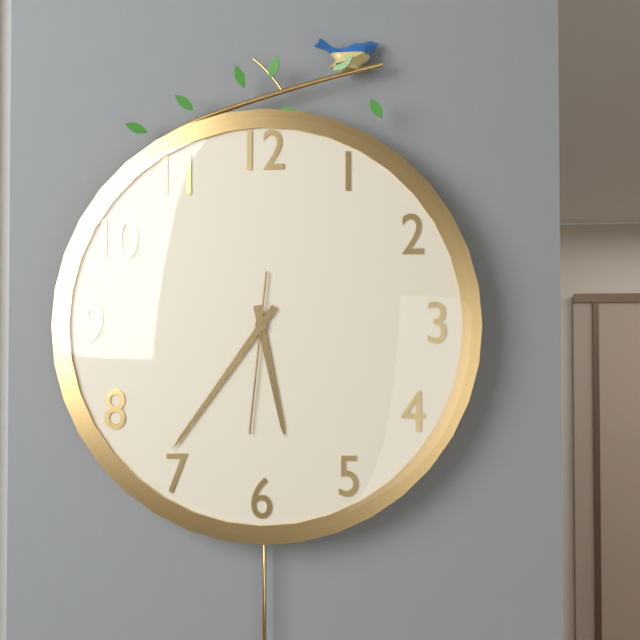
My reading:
5 h 36 min 31 s
